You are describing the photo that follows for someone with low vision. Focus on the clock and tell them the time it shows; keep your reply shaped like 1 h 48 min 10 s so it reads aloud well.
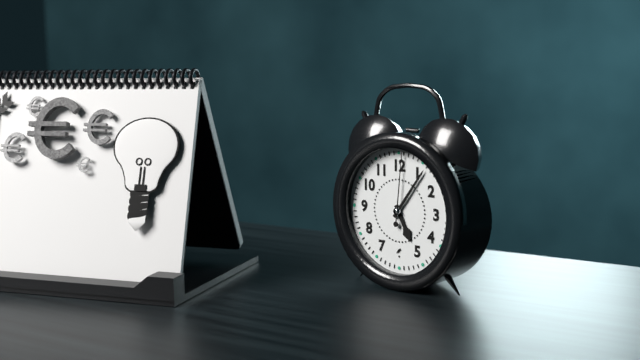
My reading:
5 h 06 min 01 s
